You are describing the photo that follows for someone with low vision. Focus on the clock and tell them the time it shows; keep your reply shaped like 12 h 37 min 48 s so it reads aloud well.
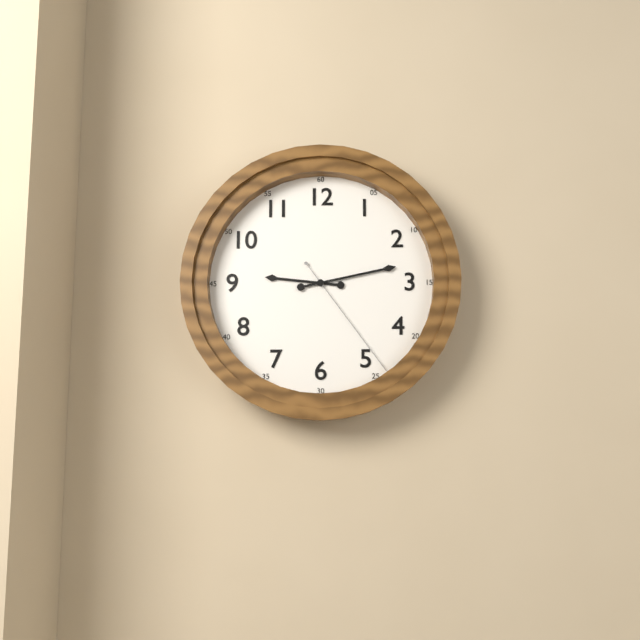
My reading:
9 h 13 min 24 s
